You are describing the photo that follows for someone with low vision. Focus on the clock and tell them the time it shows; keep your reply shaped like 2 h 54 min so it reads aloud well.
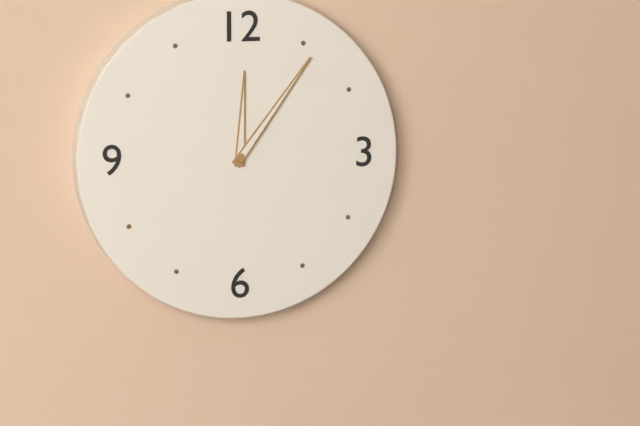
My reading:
12 h 06 min
